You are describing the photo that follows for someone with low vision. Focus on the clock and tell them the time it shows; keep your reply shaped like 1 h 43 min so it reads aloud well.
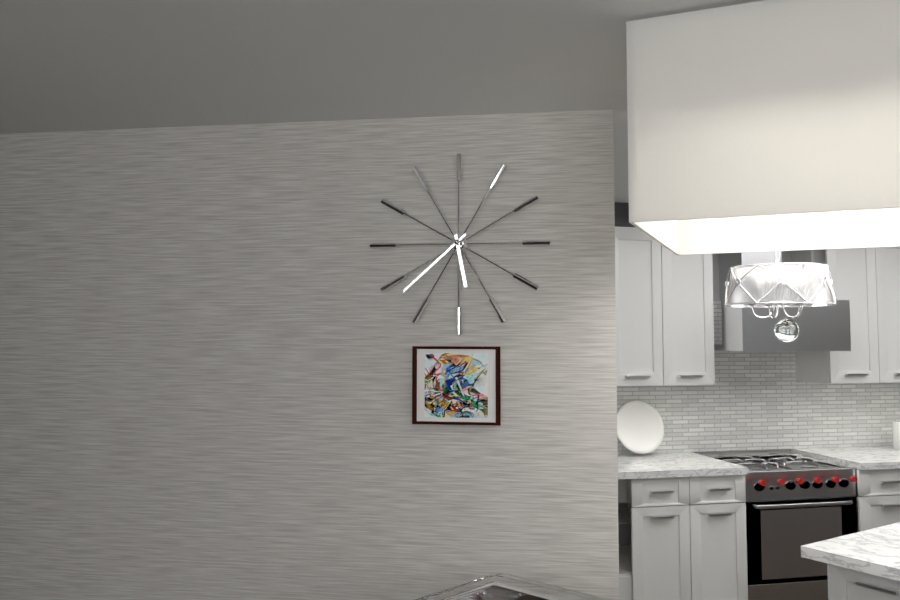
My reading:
5 h 38 min
